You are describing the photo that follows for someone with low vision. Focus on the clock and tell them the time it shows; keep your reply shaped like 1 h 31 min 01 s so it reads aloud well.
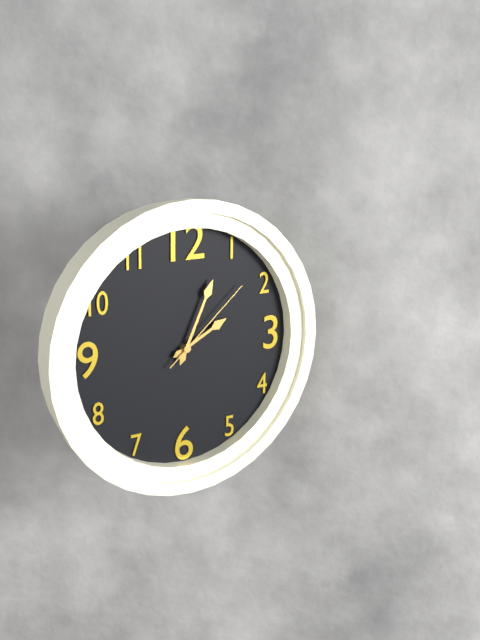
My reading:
2 h 04 min 08 s
